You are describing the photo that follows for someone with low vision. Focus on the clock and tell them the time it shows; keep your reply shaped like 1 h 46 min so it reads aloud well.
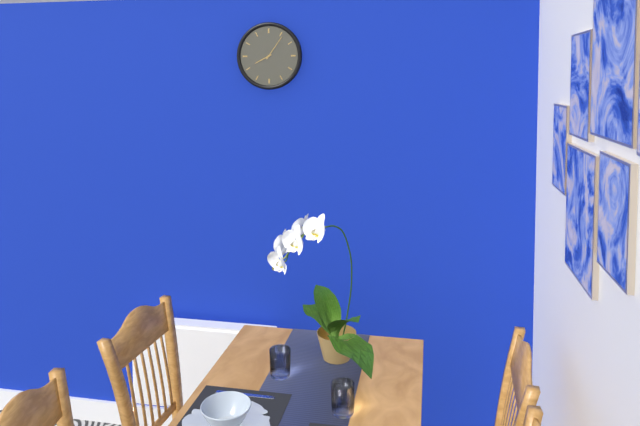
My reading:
8 h 06 min
